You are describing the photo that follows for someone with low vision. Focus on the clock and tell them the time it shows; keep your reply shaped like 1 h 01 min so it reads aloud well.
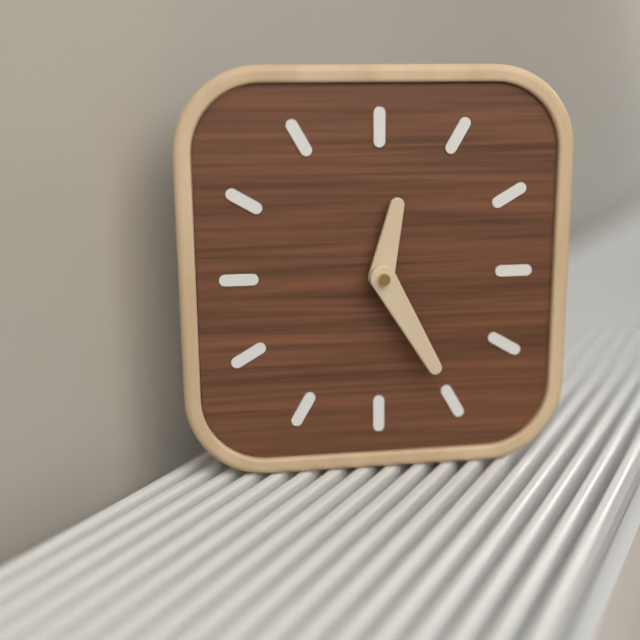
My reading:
12 h 25 min
